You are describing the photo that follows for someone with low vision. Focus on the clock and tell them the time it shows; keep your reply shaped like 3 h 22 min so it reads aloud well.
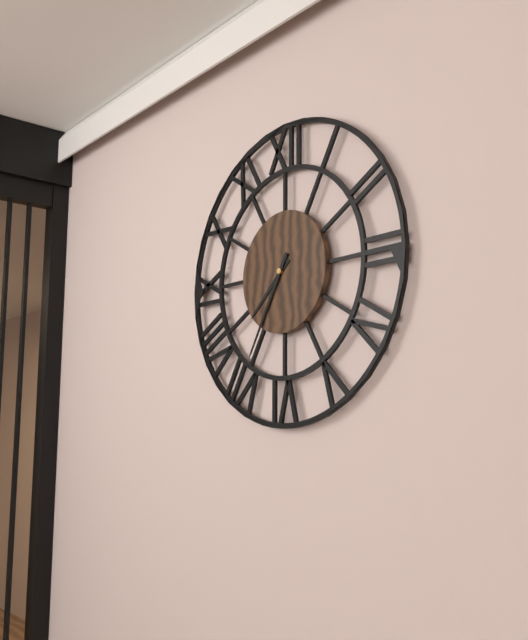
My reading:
7 h 35 min
